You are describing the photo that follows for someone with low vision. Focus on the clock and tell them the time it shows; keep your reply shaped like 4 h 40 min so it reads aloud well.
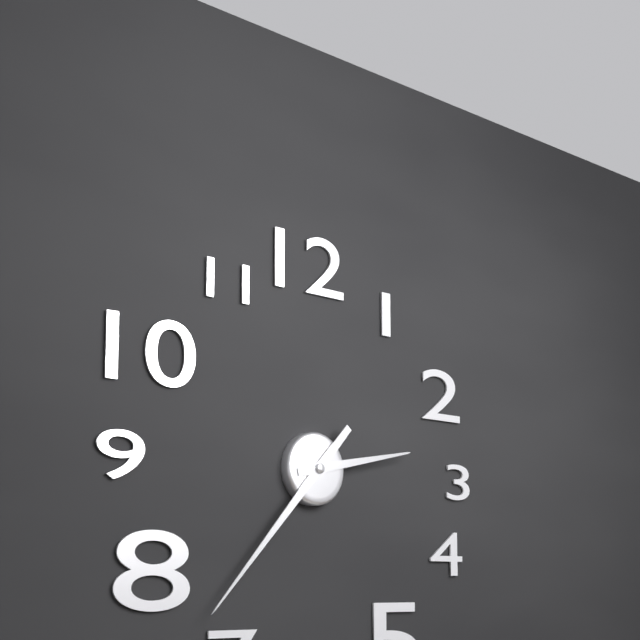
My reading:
2 h 37 min
